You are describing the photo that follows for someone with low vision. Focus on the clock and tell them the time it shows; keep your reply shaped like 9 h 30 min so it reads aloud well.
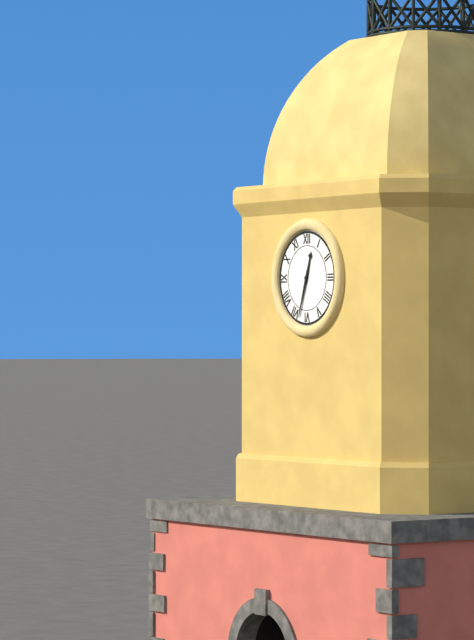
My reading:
12 h 33 min
